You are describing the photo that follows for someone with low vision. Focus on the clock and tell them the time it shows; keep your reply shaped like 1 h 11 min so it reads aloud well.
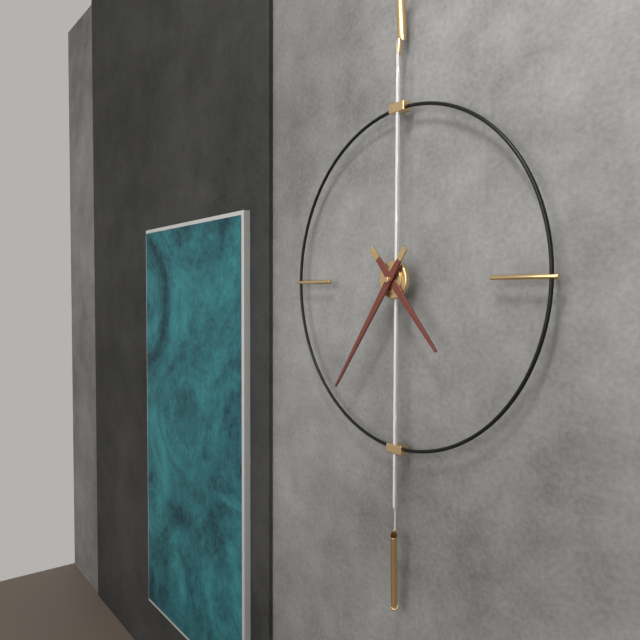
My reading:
4 h 36 min
